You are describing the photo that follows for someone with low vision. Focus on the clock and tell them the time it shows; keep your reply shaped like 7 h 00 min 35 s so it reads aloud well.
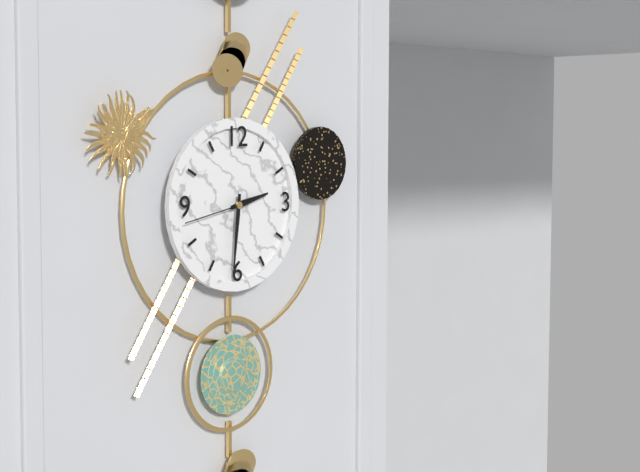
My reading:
2 h 31 min 43 s
